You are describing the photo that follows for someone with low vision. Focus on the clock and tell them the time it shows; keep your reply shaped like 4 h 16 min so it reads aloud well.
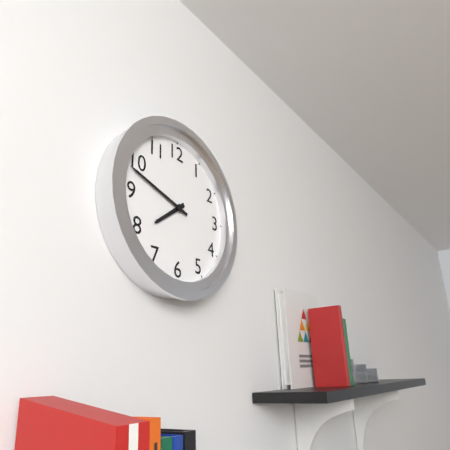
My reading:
7 h 48 min
